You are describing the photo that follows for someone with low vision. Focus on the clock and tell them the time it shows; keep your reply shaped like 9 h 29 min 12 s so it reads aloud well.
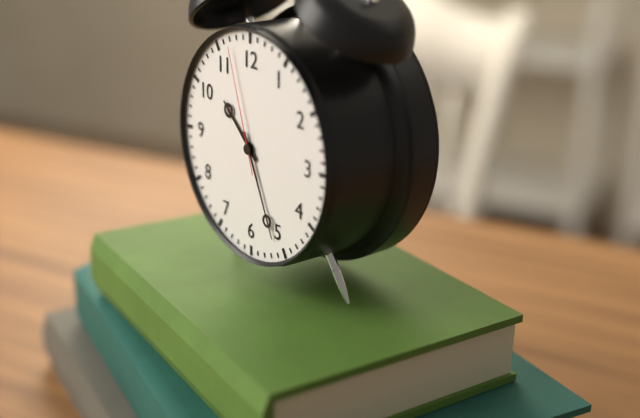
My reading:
10 h 26 min 57 s
